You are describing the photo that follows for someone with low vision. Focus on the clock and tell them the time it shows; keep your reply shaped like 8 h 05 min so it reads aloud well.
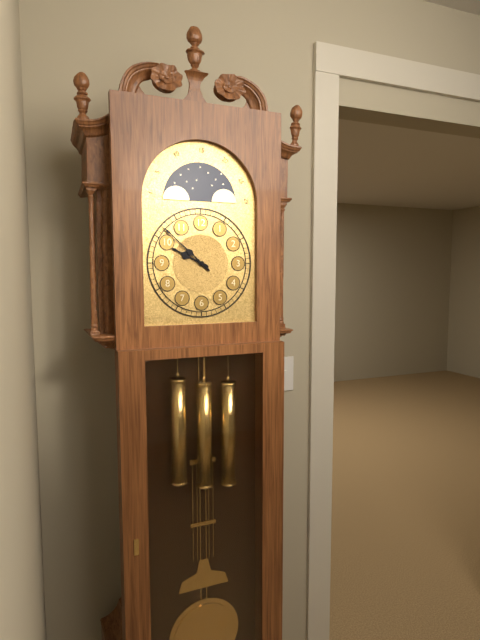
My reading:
9 h 52 min
